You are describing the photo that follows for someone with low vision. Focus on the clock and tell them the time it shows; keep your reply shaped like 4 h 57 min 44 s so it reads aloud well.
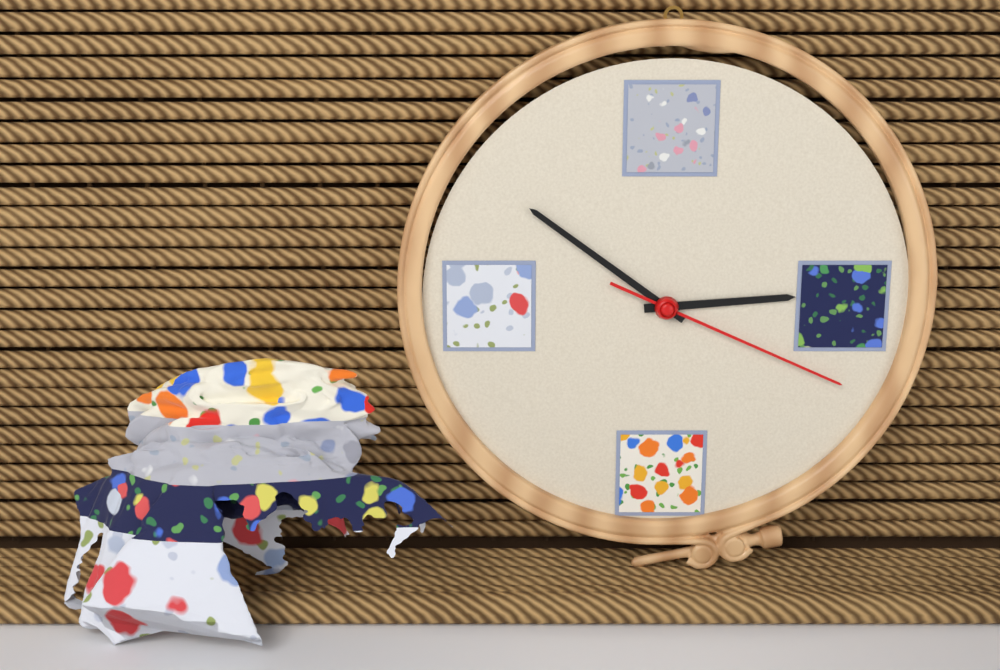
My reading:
2 h 51 min 19 s
